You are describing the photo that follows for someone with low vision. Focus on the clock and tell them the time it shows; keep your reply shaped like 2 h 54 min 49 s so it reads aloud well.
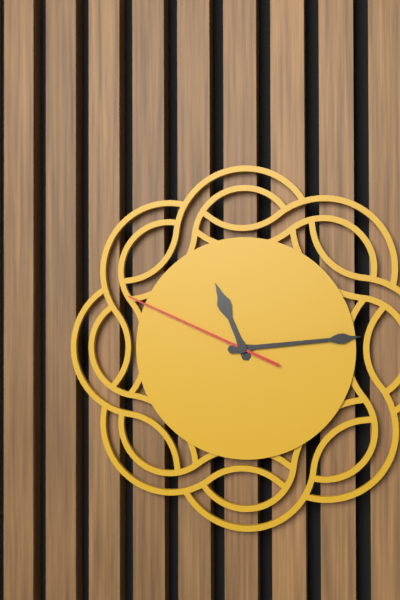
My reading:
11 h 14 min 49 s
